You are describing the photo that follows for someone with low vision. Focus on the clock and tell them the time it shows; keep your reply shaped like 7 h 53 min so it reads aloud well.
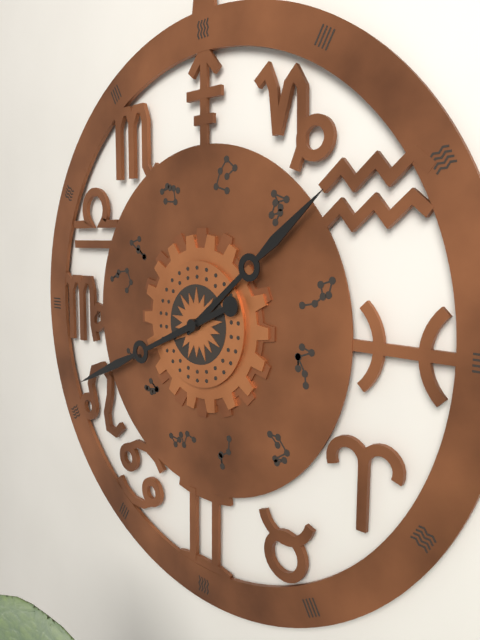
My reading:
1 h 41 min
